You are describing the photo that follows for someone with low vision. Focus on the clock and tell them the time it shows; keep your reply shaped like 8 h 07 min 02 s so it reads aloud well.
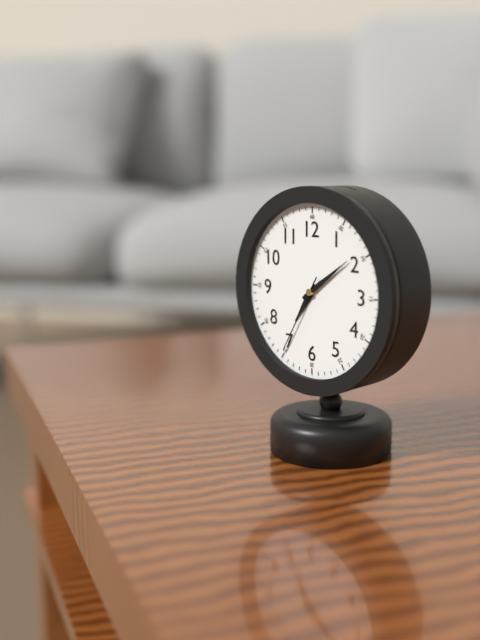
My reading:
7 h 09 min 35 s
